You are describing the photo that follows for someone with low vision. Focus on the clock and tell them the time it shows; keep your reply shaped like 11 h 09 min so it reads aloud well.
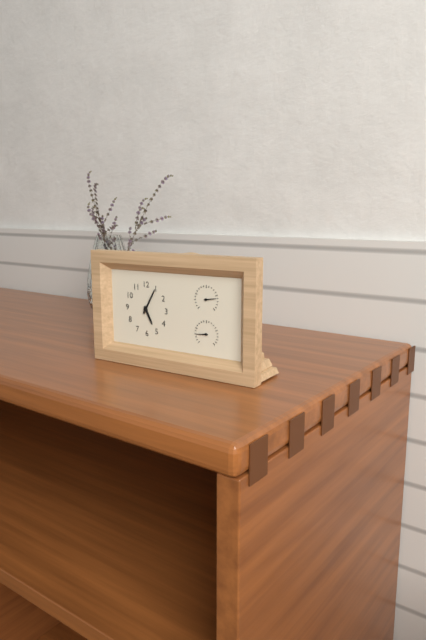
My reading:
5 h 05 min
